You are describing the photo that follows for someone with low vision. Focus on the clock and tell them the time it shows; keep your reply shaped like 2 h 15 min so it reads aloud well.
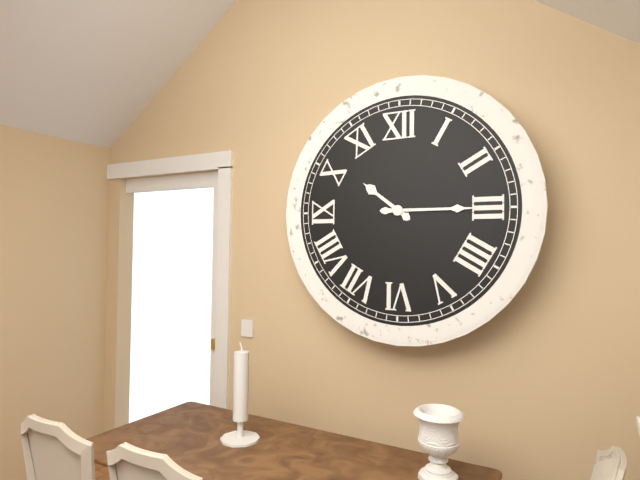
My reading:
10 h 15 min
